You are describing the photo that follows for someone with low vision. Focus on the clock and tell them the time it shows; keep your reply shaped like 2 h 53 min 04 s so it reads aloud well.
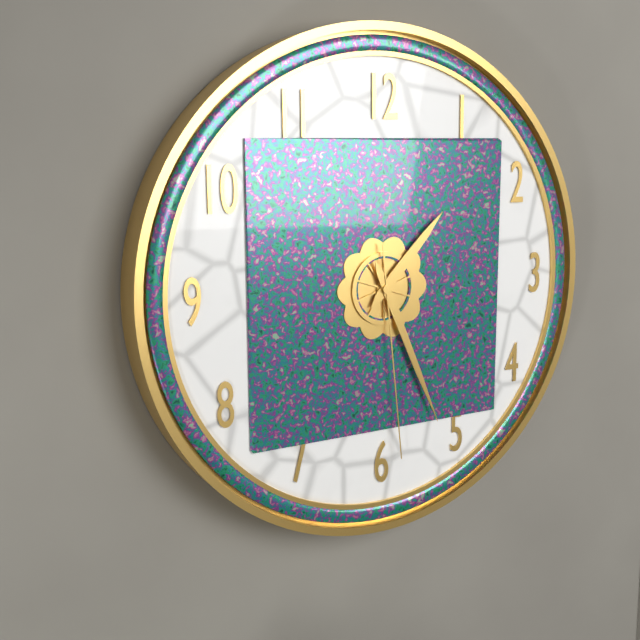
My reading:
1 h 26 min 29 s
